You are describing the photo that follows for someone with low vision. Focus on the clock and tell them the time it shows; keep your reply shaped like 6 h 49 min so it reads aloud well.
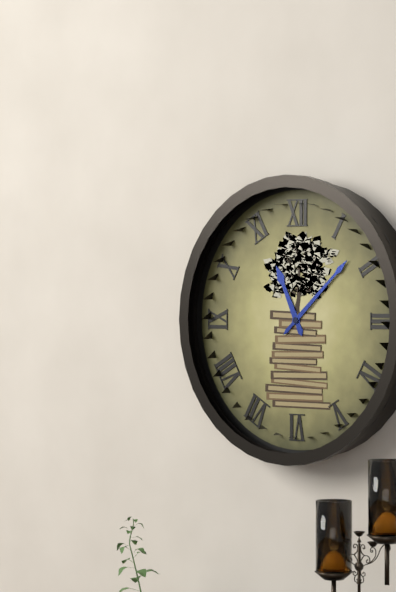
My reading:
11 h 08 min
